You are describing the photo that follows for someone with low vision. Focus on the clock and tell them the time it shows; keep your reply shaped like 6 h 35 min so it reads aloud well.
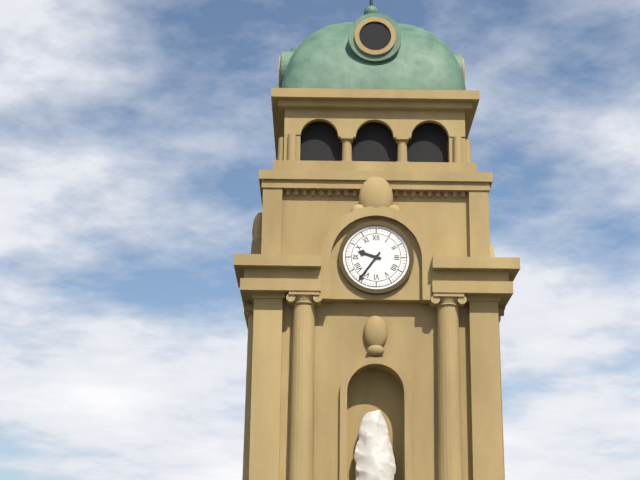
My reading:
9 h 36 min
